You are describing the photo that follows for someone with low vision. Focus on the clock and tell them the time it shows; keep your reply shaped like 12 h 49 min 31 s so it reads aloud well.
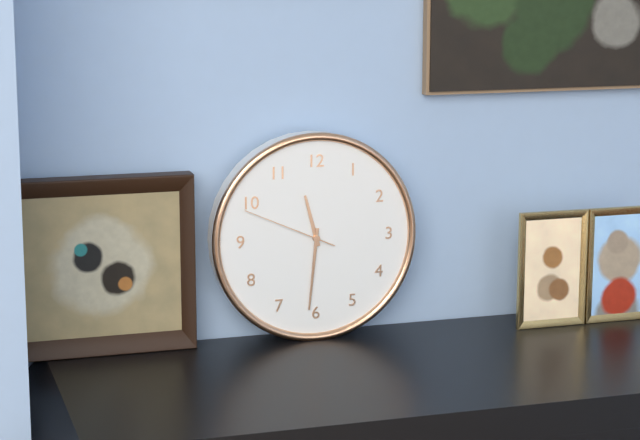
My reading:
11 h 31 min 49 s
